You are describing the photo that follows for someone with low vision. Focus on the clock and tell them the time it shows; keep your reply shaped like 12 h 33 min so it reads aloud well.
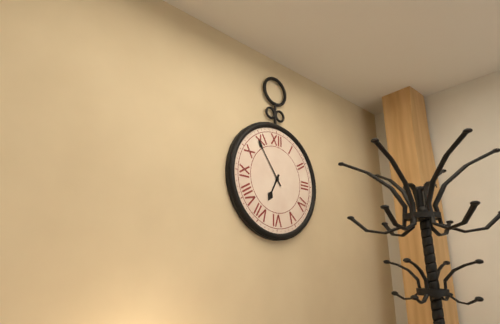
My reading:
6 h 54 min
